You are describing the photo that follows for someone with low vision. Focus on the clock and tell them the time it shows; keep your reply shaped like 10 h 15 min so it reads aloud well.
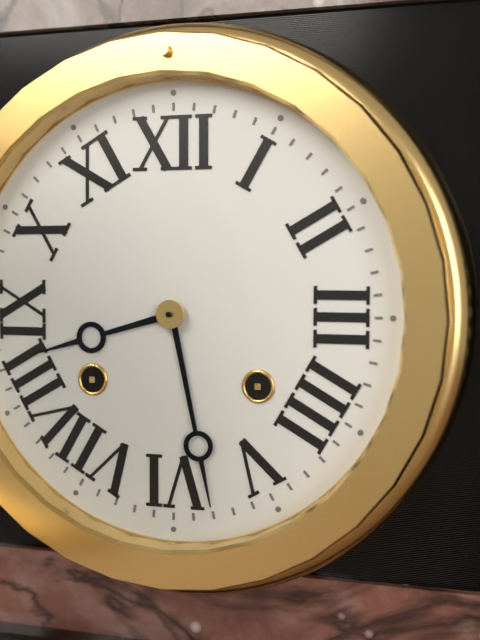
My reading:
8 h 28 min
